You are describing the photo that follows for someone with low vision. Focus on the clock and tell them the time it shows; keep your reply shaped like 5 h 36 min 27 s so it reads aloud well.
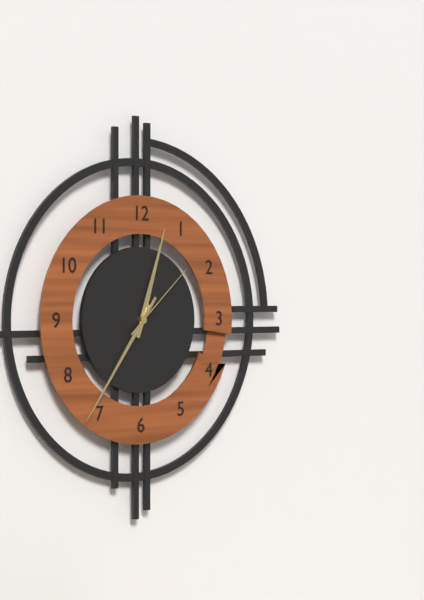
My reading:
12 h 36 min 08 s
